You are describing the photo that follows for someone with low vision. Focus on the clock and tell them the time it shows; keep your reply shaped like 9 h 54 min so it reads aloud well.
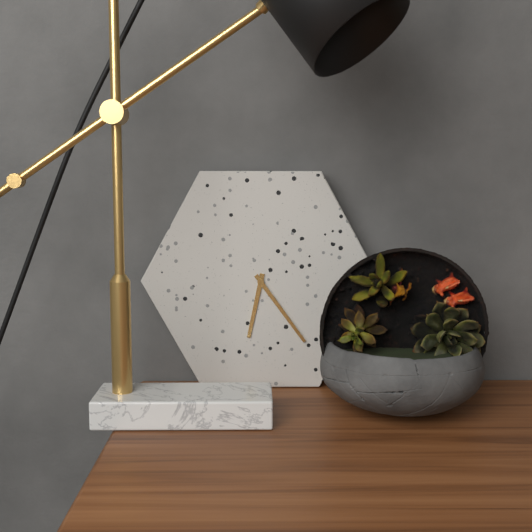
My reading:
6 h 24 min
